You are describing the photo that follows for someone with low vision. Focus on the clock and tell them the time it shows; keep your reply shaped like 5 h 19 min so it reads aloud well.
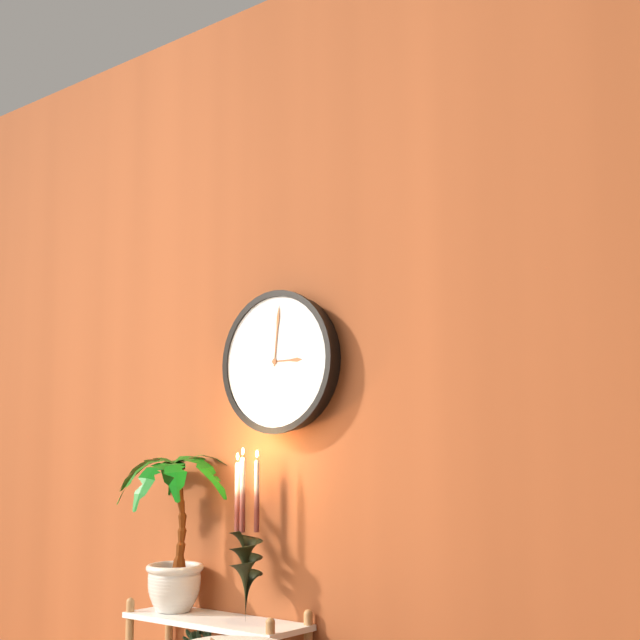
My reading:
3 h 01 min
